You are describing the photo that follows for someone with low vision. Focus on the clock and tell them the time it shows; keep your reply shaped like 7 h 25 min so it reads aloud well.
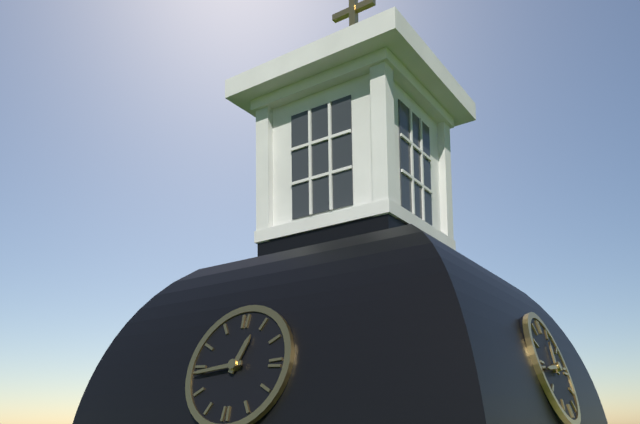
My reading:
12 h 44 min
